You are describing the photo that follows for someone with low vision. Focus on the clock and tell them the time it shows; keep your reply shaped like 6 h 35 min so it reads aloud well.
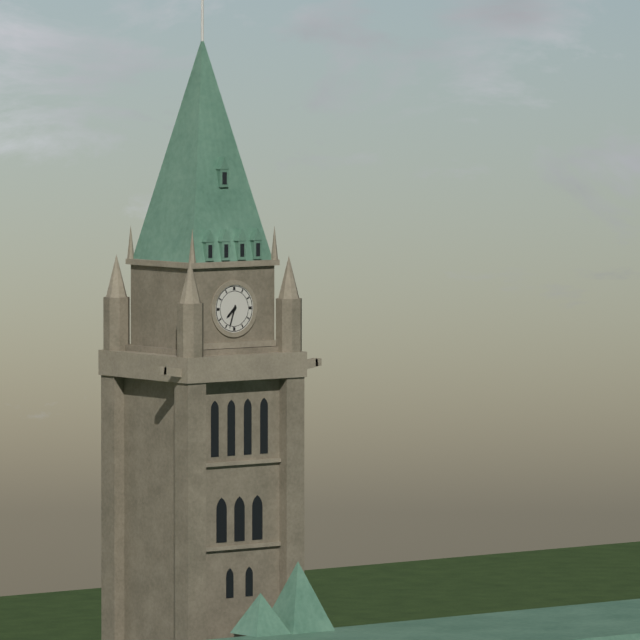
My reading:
7 h 33 min
